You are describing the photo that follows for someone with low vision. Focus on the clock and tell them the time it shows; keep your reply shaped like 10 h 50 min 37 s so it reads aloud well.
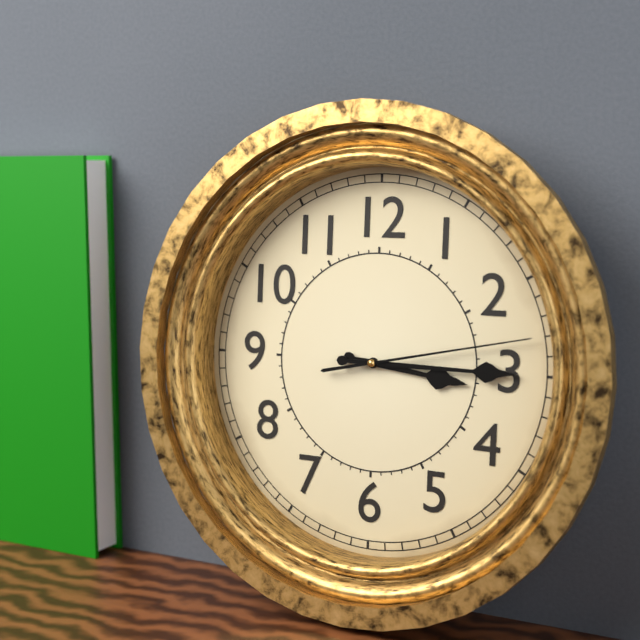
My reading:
3 h 15 min 13 s
